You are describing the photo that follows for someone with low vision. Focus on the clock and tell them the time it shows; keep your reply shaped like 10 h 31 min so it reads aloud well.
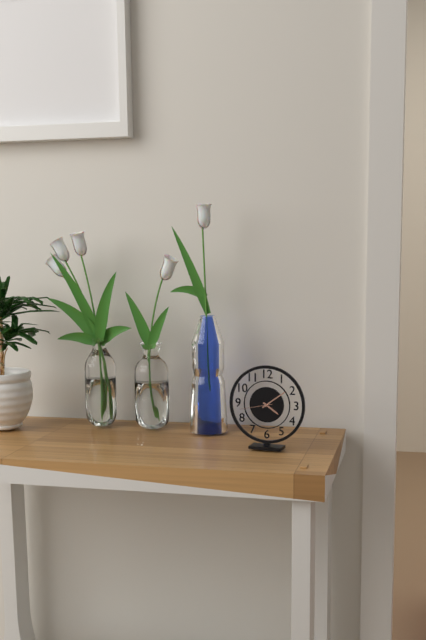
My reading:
4 h 09 min
